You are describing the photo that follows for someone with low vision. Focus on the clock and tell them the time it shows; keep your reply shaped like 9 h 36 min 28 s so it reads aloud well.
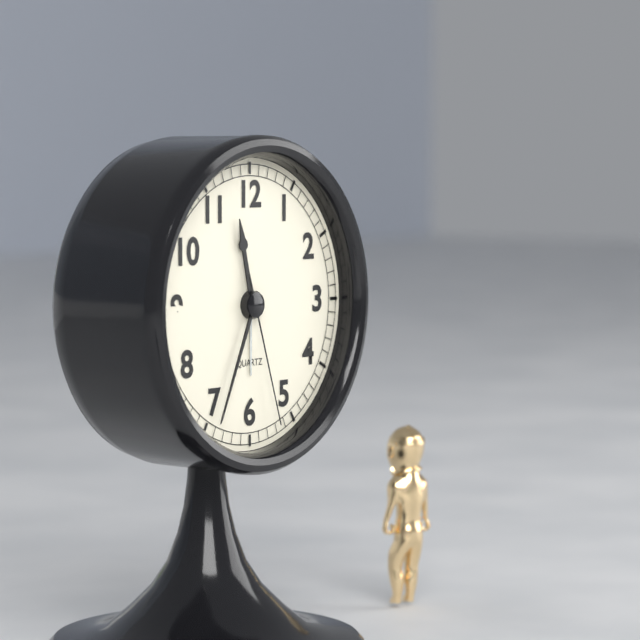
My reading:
11 h 34 min 27 s
